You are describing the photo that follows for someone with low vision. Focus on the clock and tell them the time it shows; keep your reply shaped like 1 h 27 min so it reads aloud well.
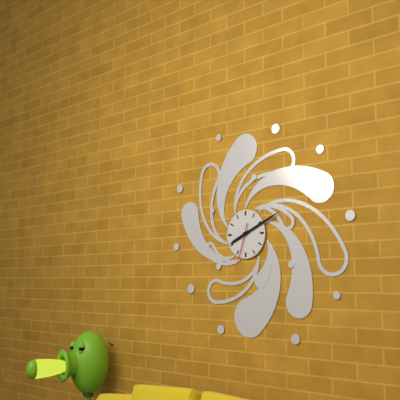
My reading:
8 h 11 min
